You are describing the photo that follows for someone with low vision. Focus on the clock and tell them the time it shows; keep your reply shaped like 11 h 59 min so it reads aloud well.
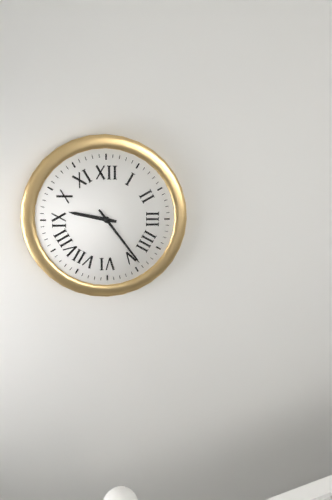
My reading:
9 h 24 min
